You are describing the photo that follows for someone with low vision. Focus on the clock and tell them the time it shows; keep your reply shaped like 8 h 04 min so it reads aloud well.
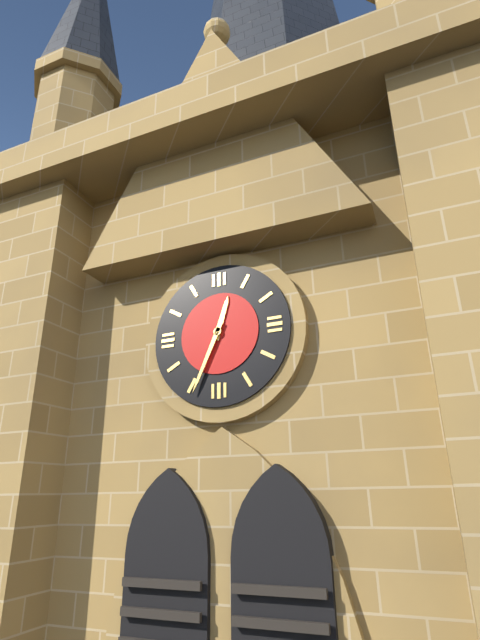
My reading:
12 h 34 min
